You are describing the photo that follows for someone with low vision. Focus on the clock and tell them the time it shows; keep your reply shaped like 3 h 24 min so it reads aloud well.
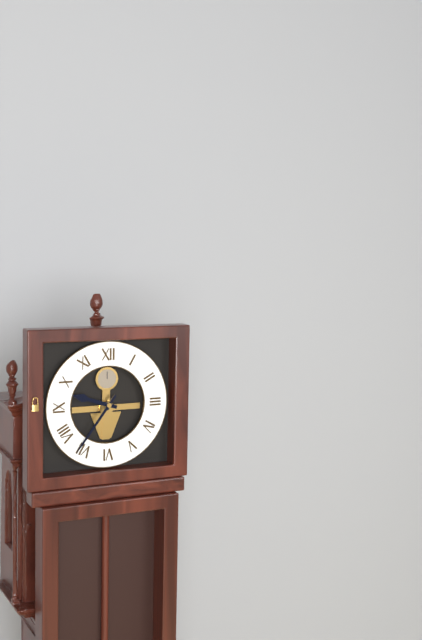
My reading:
9 h 36 min
